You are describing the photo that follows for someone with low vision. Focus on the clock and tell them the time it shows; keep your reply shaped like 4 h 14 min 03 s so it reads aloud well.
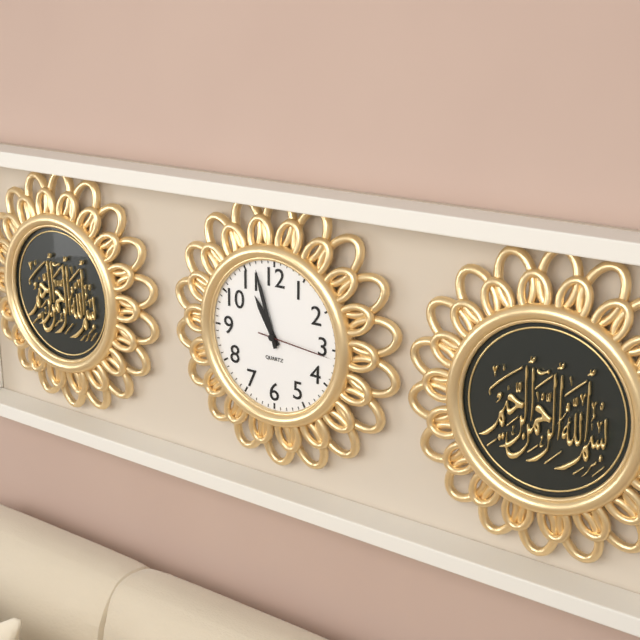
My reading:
10 h 57 min 16 s
